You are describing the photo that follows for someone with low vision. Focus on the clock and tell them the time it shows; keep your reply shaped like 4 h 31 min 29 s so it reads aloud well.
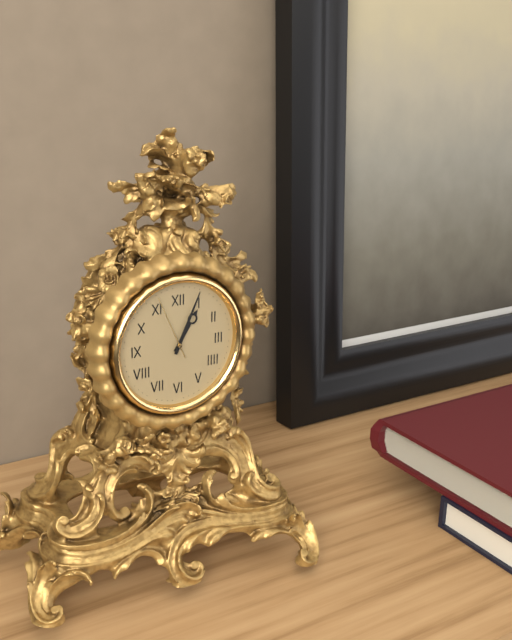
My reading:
1 h 04 min 56 s
